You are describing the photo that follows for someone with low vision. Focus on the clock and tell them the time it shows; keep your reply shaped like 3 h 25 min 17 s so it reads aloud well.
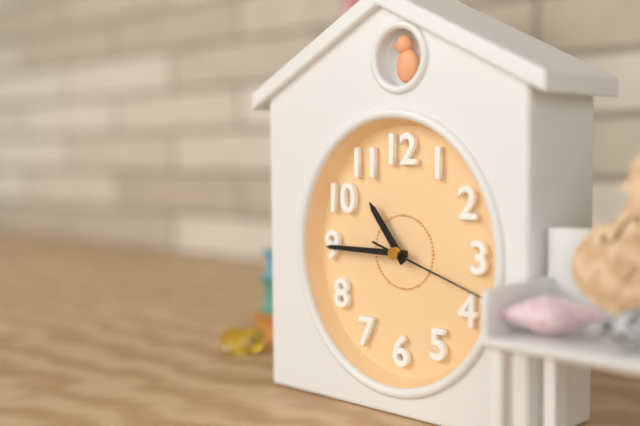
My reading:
10 h 45 min 18 s
